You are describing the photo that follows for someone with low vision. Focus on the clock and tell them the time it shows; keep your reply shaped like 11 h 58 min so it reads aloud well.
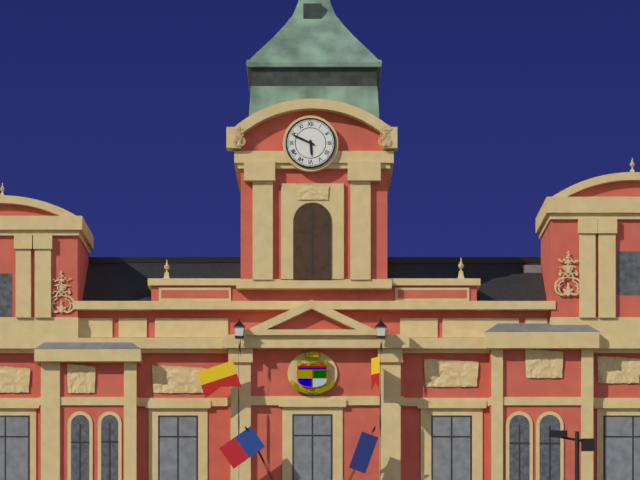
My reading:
5 h 49 min
